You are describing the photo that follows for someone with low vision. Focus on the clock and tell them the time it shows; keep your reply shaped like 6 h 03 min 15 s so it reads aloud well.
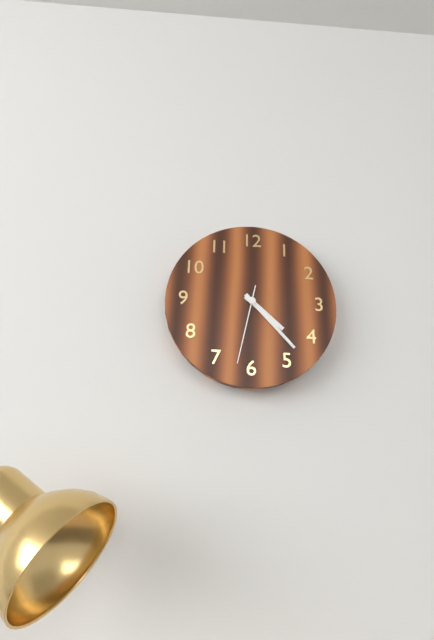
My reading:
4 h 23 min 32 s
